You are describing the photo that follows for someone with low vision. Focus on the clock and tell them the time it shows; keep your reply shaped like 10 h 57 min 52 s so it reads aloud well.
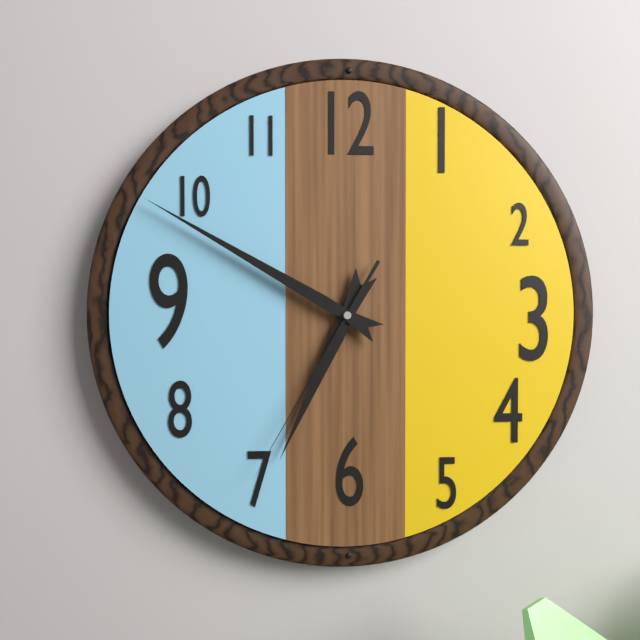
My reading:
6 h 50 min 35 s
